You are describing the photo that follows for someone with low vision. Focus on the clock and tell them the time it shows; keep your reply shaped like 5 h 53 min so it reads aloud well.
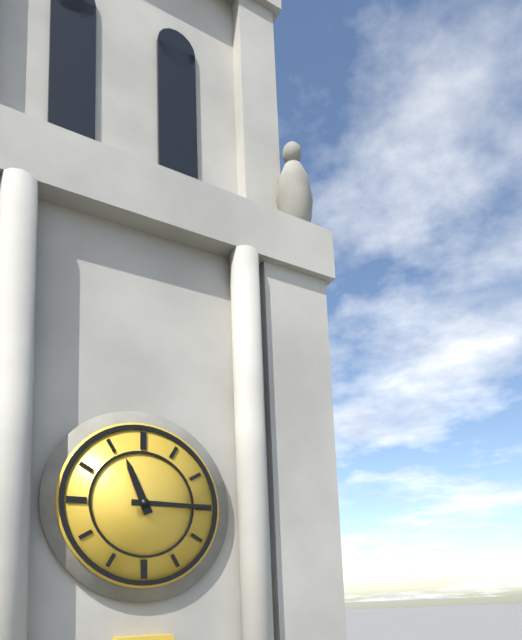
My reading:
11 h 15 min
